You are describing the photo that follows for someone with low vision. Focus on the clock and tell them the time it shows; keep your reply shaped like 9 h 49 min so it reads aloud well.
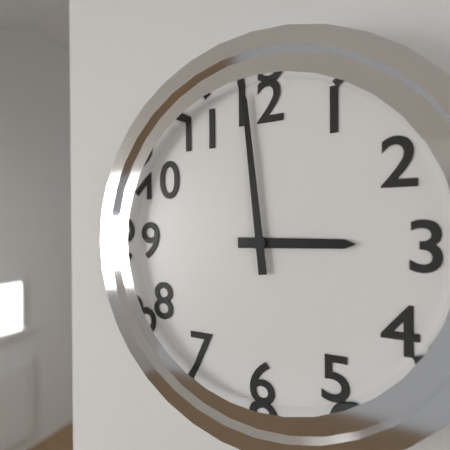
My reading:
2 h 59 min
